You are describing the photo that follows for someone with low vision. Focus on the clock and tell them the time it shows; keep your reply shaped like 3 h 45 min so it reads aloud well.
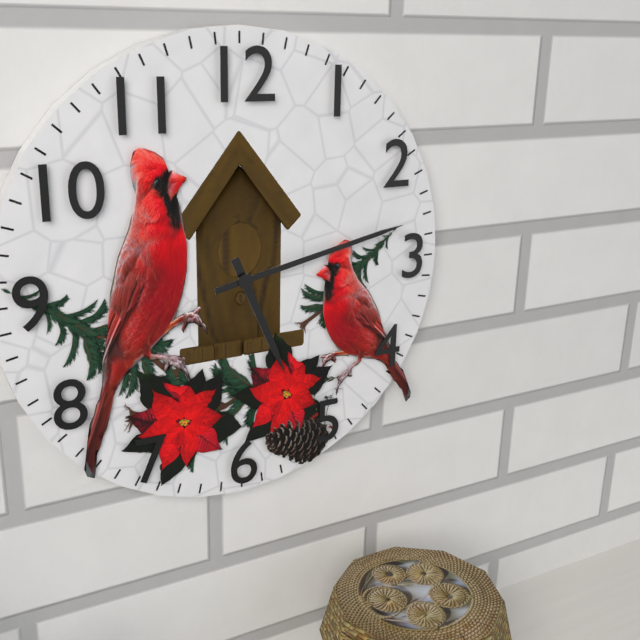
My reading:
5 h 13 min
